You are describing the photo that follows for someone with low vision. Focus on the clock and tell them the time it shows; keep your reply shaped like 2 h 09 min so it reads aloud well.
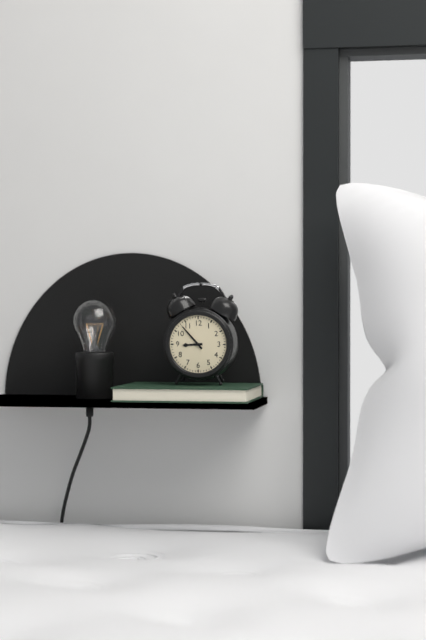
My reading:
8 h 53 min
